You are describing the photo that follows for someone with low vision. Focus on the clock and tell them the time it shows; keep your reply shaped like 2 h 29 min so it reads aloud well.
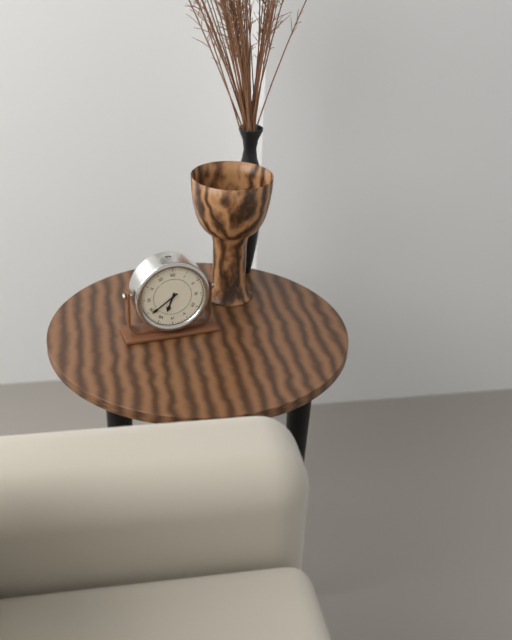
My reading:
6 h 39 min
